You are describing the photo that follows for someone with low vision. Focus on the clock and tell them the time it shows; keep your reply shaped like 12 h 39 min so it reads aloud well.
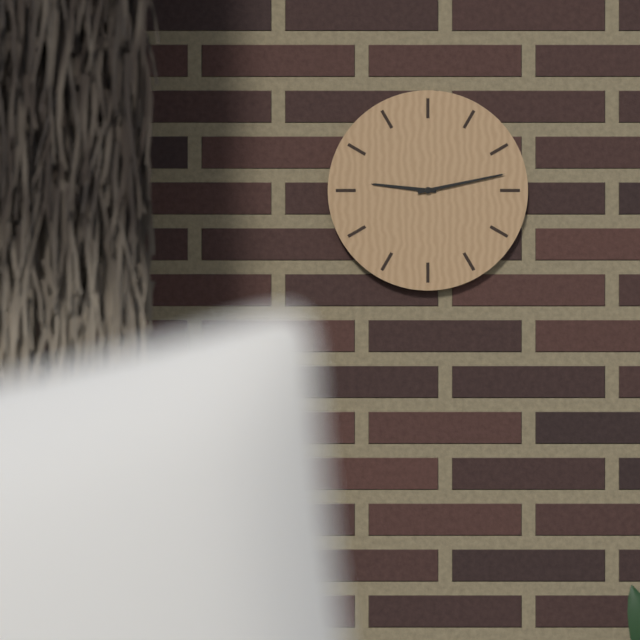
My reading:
9 h 13 min
